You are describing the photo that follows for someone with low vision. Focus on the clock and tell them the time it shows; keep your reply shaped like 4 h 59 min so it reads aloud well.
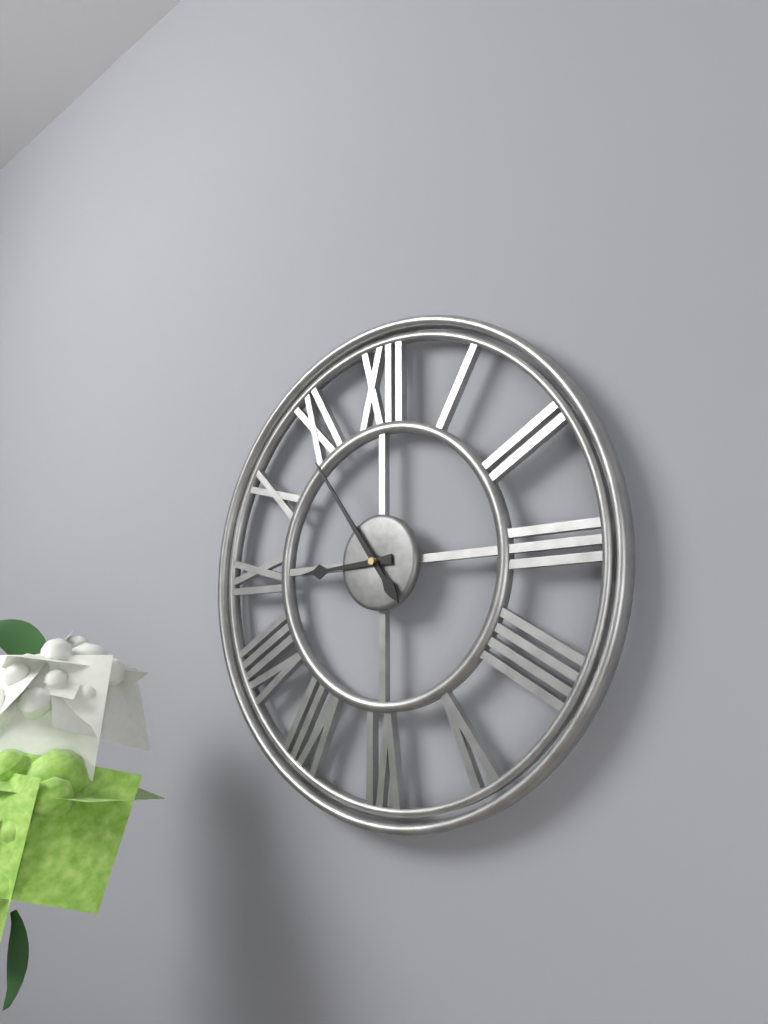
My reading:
8 h 54 min
